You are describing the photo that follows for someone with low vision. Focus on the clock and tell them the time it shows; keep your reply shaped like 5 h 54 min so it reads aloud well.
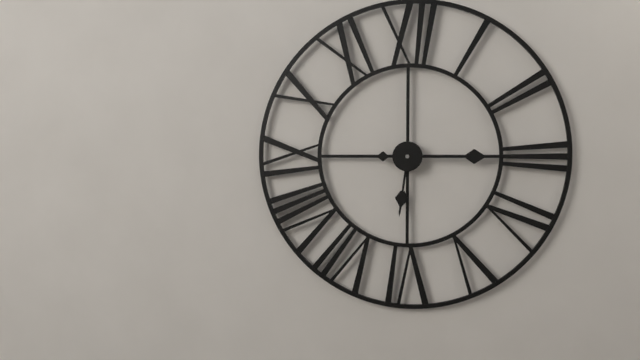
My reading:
6 h 15 min
